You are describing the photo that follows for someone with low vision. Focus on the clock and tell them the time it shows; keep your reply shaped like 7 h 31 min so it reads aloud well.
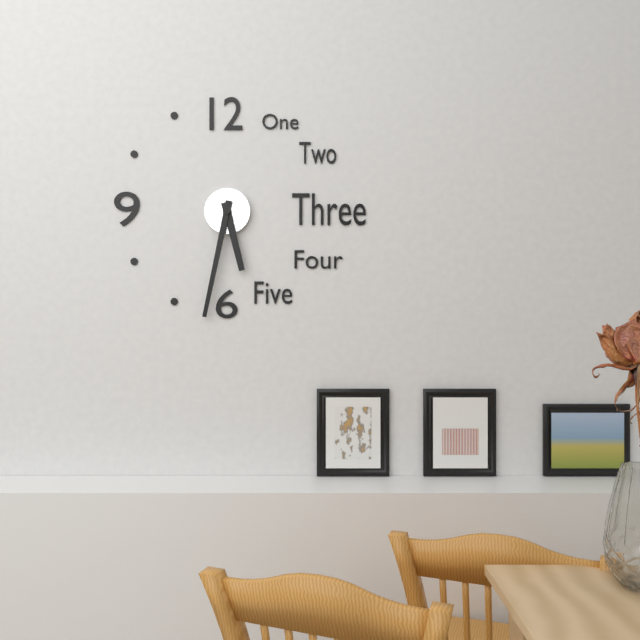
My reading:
5 h 32 min
